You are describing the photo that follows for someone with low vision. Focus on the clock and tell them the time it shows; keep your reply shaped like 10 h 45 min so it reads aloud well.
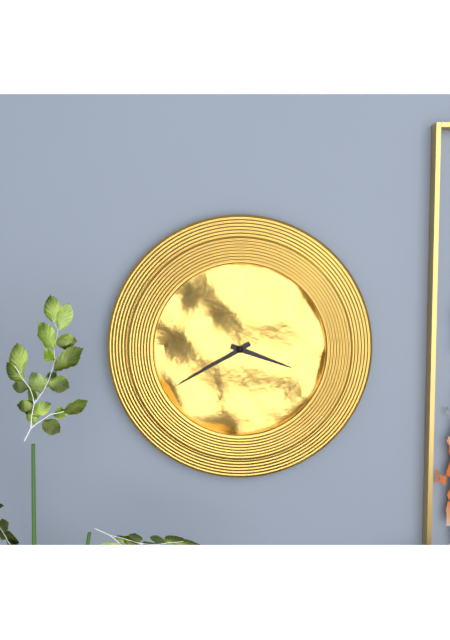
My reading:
3 h 40 min
